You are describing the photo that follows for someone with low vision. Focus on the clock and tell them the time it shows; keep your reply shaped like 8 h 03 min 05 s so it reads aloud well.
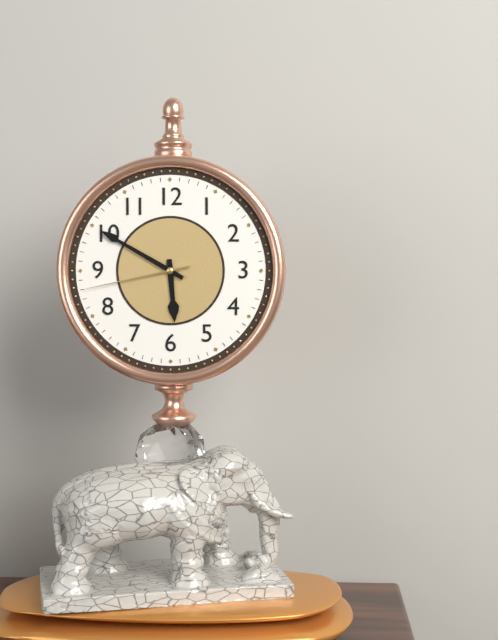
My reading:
5 h 50 min 43 s
